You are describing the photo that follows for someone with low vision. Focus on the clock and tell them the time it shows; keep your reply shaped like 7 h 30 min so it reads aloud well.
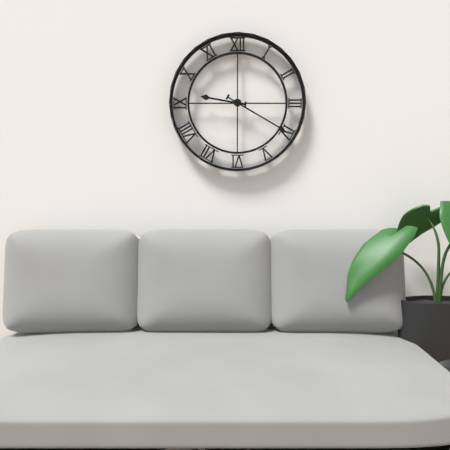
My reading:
9 h 20 min
